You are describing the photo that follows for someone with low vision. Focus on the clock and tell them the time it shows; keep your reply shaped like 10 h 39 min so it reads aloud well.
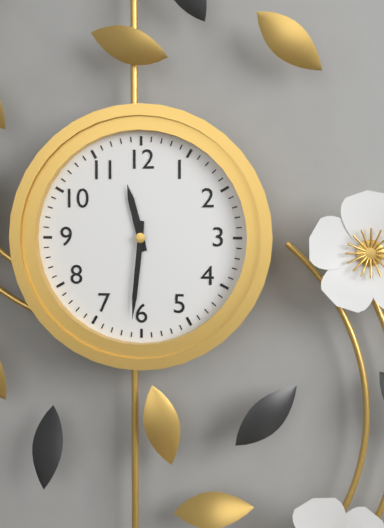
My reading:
11 h 31 min
